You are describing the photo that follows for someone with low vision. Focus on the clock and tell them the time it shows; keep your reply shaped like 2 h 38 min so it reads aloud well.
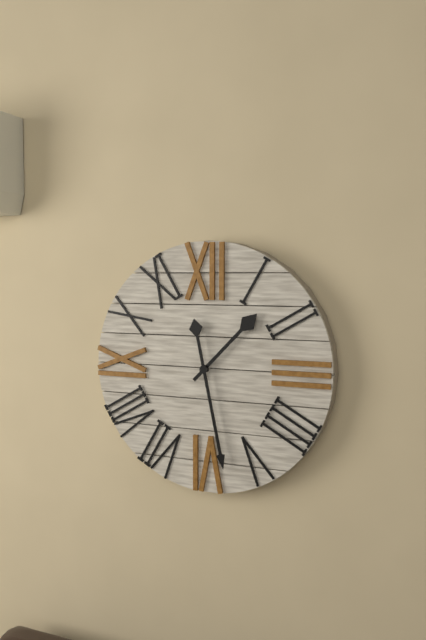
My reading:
1 h 28 min
